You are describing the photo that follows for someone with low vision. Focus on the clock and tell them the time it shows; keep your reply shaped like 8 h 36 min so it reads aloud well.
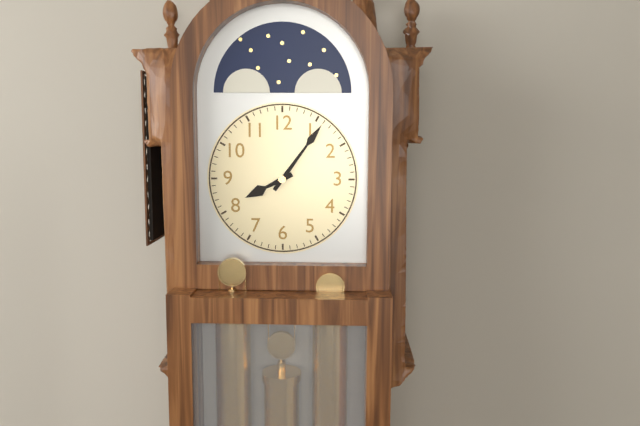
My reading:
8 h 06 min
